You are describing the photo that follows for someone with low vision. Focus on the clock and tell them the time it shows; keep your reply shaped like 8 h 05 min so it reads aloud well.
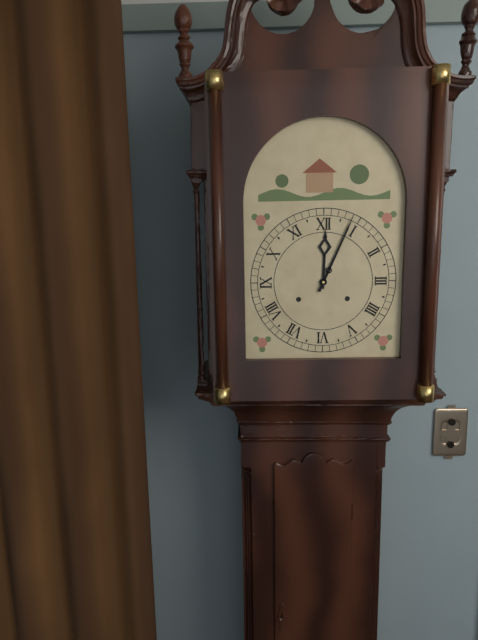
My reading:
12 h 04 min
